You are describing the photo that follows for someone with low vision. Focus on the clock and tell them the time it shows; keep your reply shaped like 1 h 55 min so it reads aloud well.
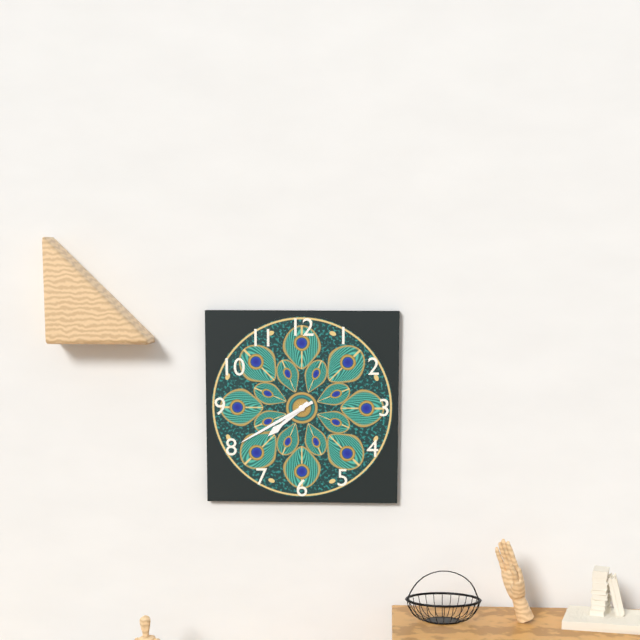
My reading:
7 h 40 min
